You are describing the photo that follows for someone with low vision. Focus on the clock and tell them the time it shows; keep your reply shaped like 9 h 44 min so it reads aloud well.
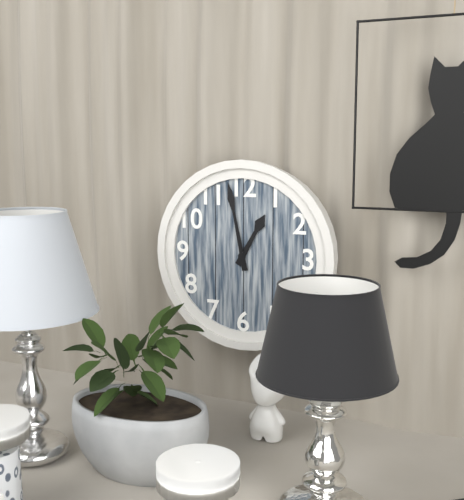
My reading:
12 h 58 min
